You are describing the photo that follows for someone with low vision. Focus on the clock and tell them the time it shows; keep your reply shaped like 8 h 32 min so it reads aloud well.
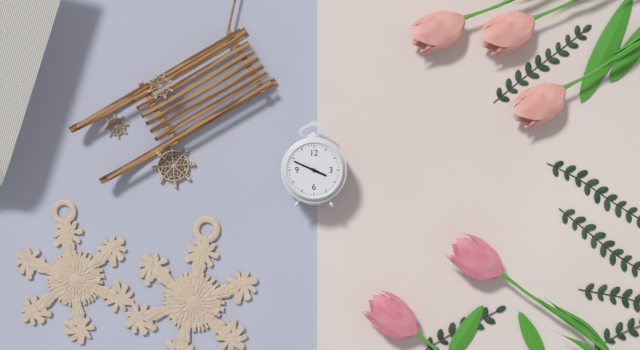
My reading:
3 h 49 min
